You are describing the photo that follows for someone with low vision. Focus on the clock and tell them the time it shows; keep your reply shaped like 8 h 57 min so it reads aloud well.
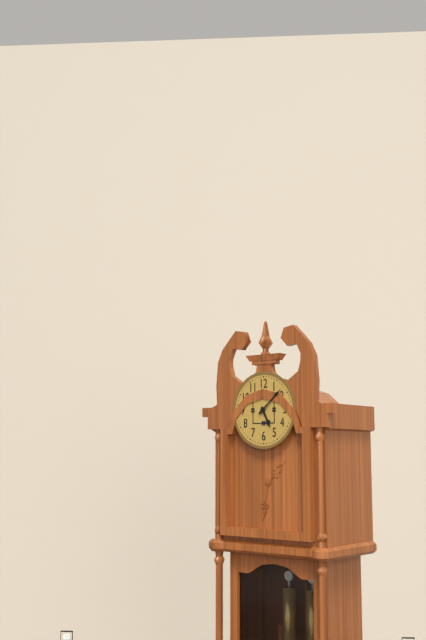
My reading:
5 h 08 min
